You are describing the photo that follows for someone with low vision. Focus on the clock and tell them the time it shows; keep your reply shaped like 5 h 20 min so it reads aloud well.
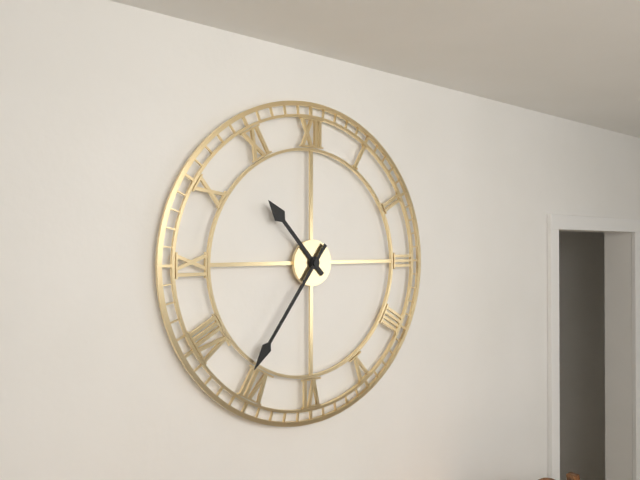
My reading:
10 h 36 min
